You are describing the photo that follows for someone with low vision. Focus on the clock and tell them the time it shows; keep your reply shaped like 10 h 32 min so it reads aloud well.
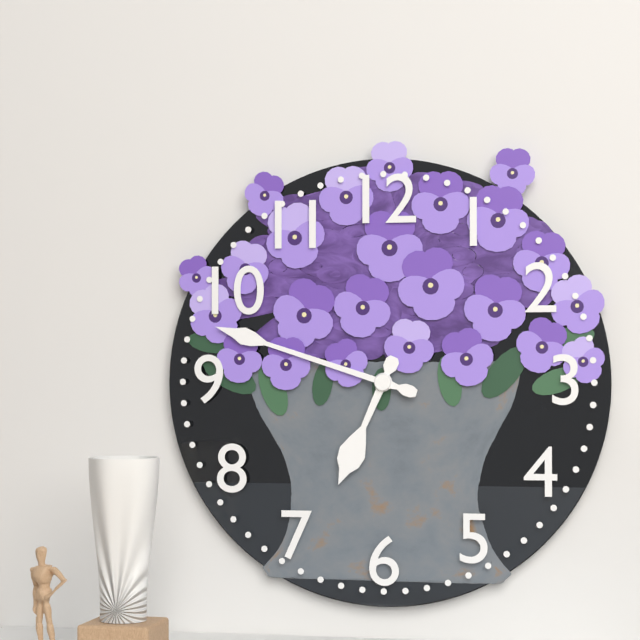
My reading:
6 h 48 min
